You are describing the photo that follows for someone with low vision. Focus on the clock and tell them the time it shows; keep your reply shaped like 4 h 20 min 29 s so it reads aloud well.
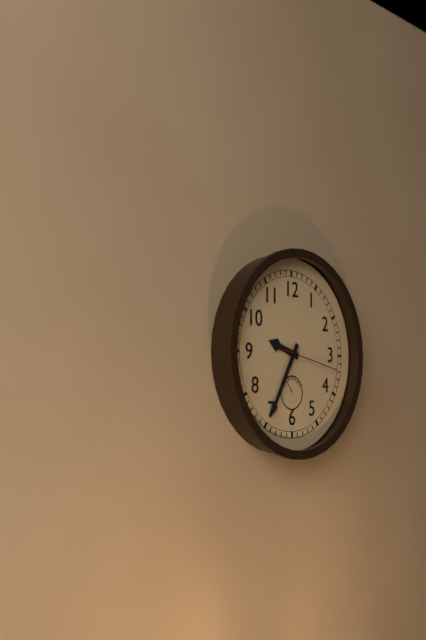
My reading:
9 h 35 min 17 s
